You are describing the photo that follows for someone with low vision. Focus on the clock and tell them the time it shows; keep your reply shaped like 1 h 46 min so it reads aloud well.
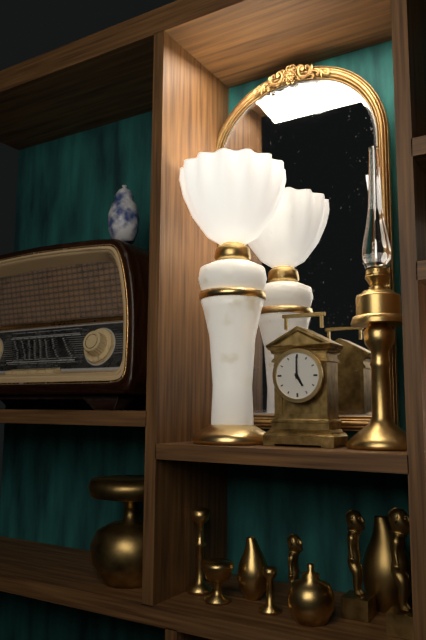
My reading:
5 h 00 min
